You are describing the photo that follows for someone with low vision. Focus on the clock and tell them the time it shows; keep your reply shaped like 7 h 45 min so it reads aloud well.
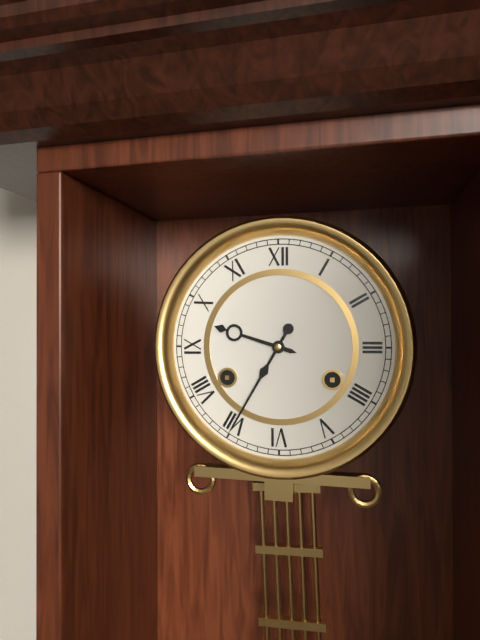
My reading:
9 h 35 min
